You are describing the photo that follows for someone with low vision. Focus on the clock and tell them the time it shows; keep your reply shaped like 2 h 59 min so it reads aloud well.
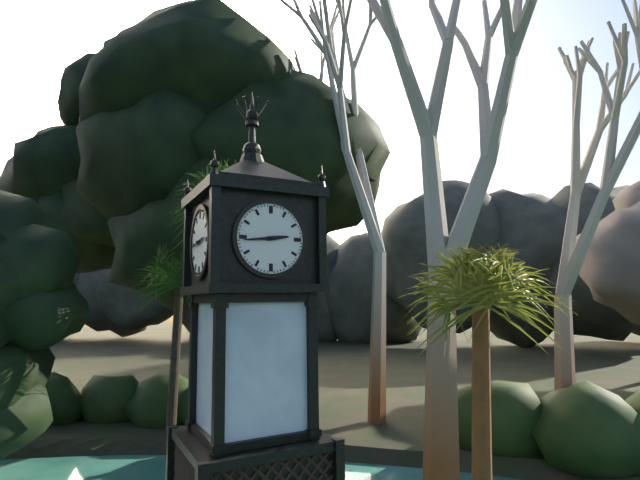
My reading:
2 h 44 min
